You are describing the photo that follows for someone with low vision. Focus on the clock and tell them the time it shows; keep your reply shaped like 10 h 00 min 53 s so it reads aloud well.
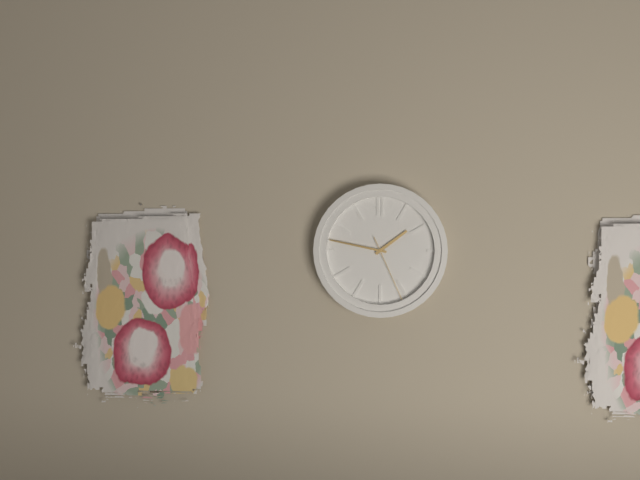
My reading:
1 h 47 min 26 s
